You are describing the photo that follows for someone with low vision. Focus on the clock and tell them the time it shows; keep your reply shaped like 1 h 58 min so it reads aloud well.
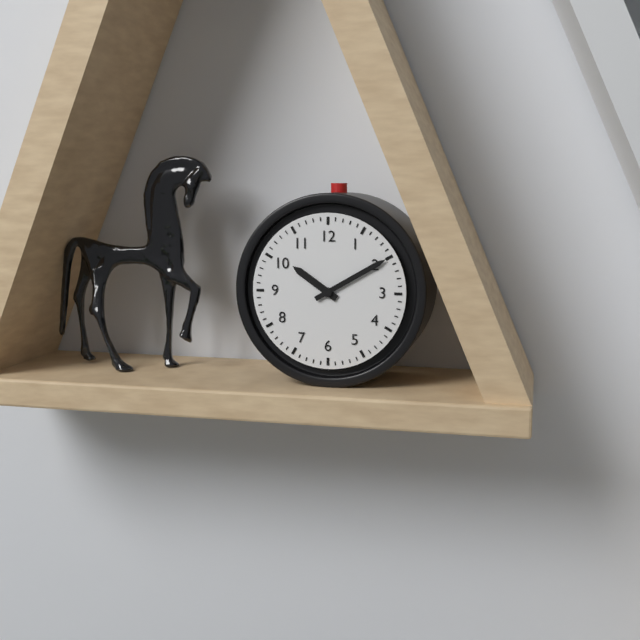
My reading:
10 h 10 min
